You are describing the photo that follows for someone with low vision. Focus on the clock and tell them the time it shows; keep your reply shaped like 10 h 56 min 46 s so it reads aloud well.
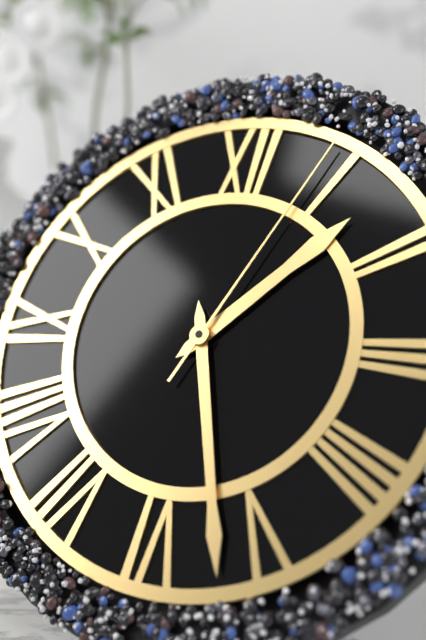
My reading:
1 h 27 min 04 s
